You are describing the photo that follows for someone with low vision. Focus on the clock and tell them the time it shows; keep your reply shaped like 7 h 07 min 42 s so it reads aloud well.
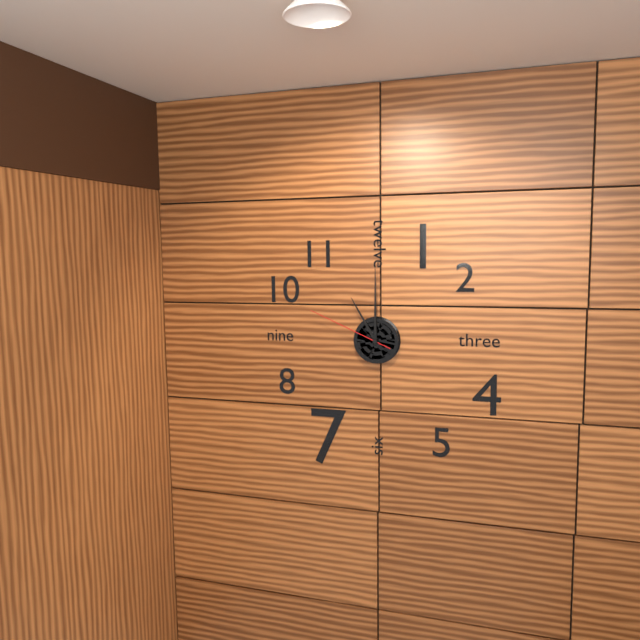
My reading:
11 h 00 min 49 s
